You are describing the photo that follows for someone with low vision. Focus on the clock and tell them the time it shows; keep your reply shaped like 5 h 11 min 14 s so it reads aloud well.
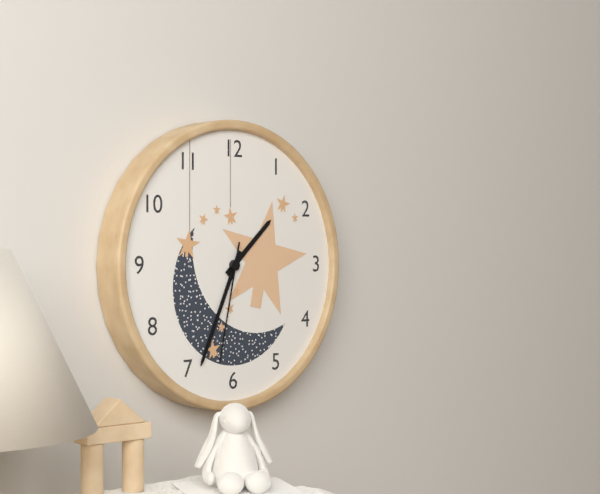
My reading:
1 h 34 min 32 s
